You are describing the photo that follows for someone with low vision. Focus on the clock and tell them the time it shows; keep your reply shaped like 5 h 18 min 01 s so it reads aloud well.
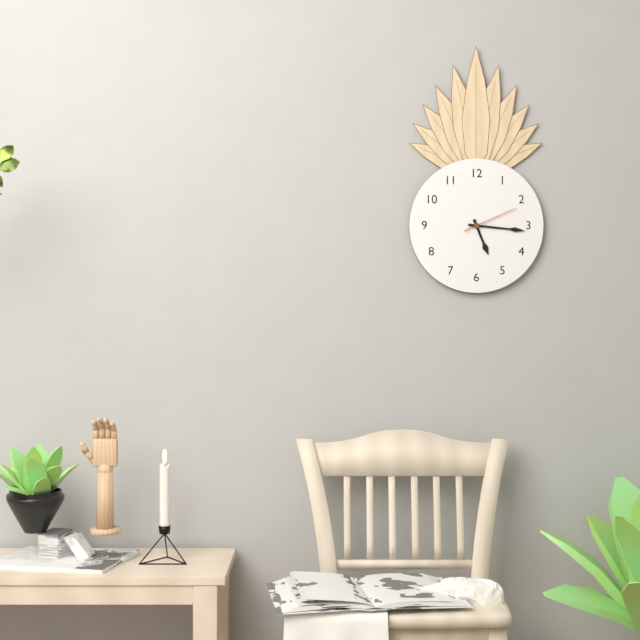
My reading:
5 h 16 min 11 s
